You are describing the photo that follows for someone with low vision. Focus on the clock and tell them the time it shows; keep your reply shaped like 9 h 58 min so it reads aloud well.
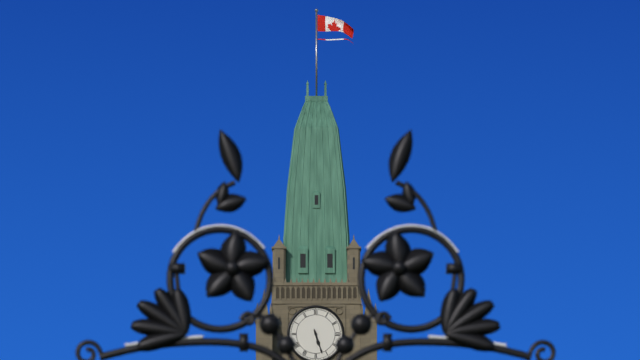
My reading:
5 h 27 min
